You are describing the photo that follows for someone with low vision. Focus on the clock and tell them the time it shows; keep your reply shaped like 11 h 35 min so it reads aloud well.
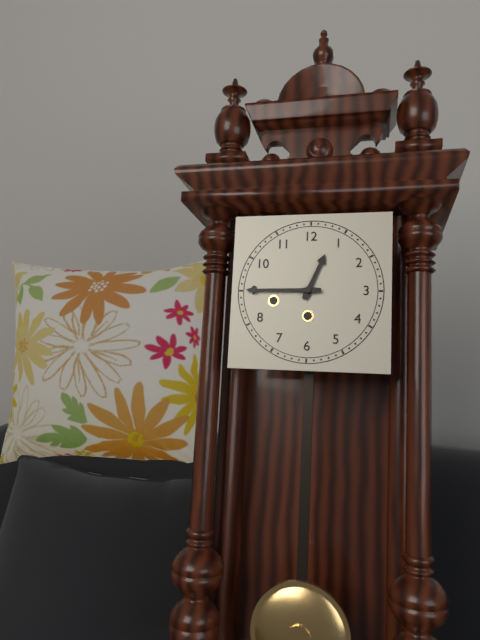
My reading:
12 h 45 min
